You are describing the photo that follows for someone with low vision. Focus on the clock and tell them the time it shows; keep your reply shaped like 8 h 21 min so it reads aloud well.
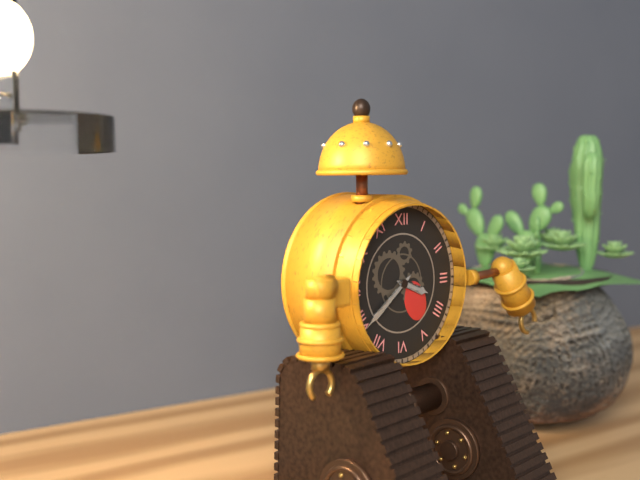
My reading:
3 h 39 min
